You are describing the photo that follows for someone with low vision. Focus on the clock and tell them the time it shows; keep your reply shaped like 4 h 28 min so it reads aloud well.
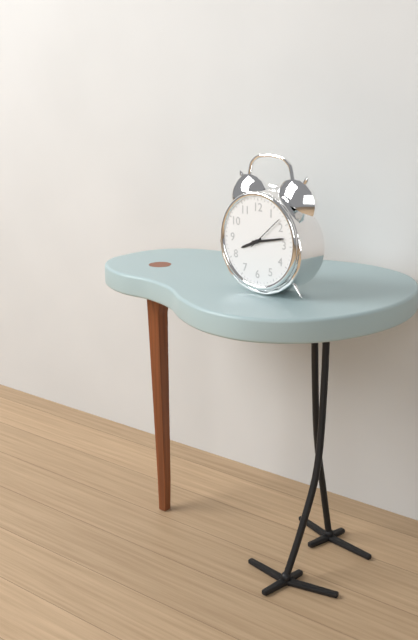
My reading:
8 h 13 min
